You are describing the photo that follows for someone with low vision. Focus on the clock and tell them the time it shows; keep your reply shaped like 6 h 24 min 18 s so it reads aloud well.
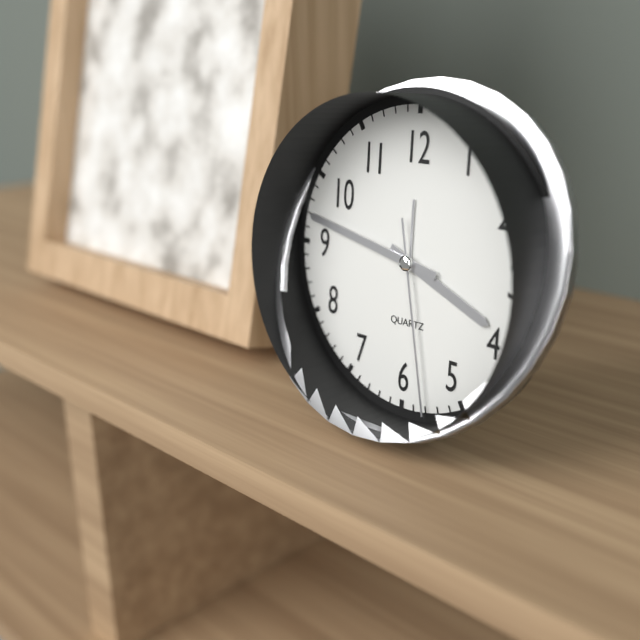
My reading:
3 h 47 min 28 s
